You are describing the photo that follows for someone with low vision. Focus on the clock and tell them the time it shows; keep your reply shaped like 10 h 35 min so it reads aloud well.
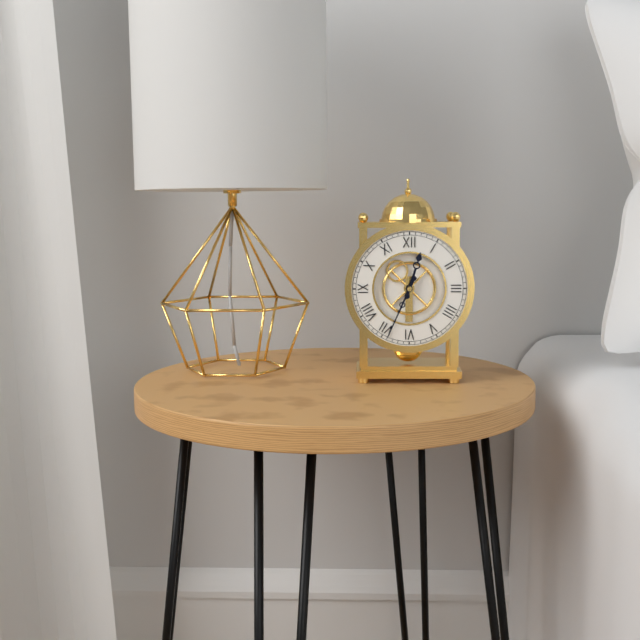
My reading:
12 h 34 min
